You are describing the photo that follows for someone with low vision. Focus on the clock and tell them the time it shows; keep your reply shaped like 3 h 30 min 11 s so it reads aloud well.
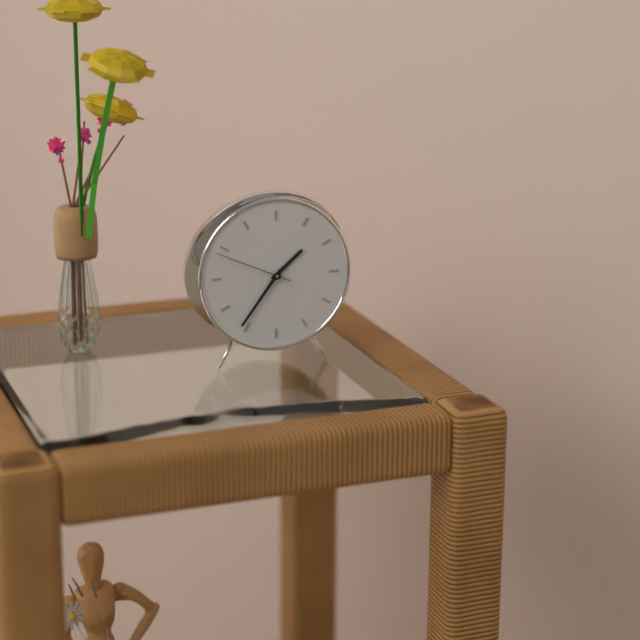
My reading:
1 h 36 min 49 s
